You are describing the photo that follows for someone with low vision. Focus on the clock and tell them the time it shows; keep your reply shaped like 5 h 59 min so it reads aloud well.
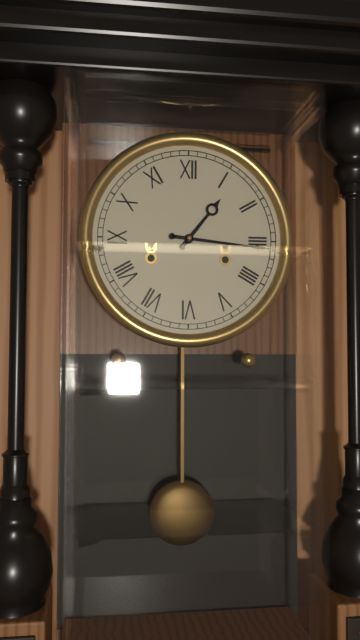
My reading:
1 h 16 min
